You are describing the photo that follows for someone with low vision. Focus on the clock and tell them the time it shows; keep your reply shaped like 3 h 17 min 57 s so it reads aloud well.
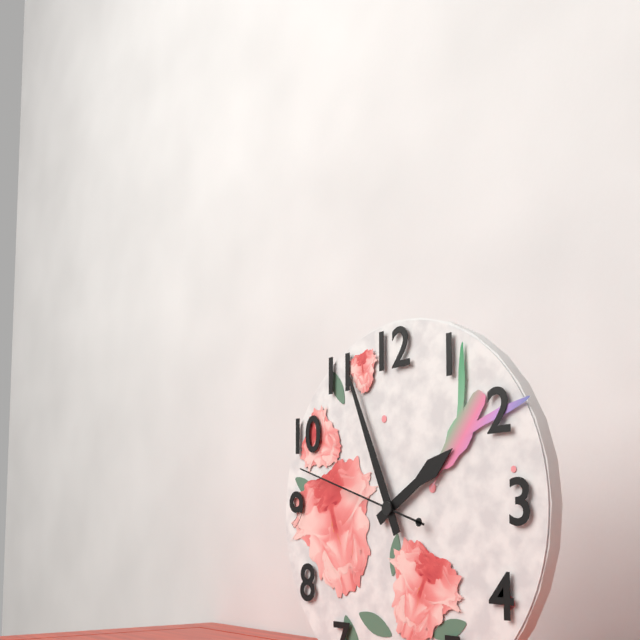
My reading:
1 h 56 min 48 s
